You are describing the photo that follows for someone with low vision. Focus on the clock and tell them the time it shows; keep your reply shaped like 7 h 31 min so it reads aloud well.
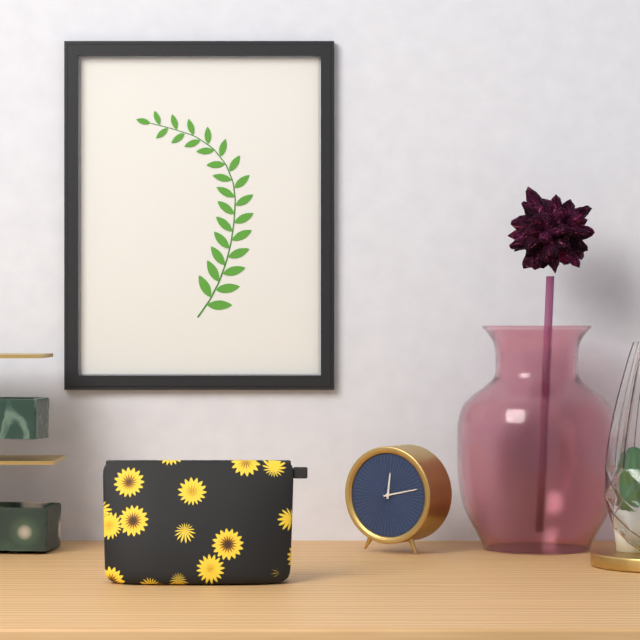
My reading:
12 h 13 min
